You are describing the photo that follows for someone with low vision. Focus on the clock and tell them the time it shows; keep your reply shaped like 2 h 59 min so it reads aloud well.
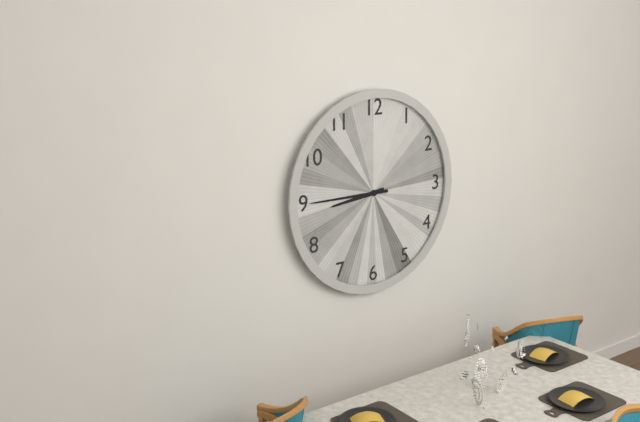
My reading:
8 h 45 min
